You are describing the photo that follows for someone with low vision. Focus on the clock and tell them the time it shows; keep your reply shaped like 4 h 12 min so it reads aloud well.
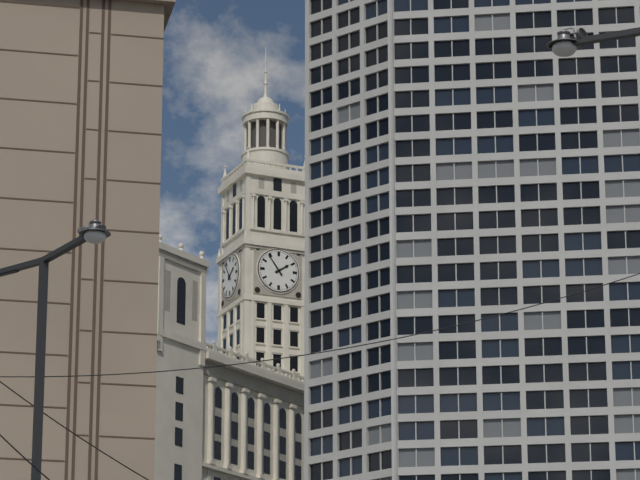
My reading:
1 h 54 min
